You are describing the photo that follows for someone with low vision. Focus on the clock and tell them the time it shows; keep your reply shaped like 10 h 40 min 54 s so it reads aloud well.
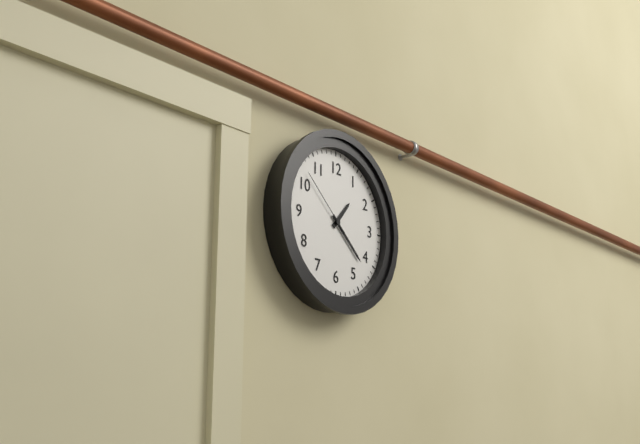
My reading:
1 h 22 min 52 s
